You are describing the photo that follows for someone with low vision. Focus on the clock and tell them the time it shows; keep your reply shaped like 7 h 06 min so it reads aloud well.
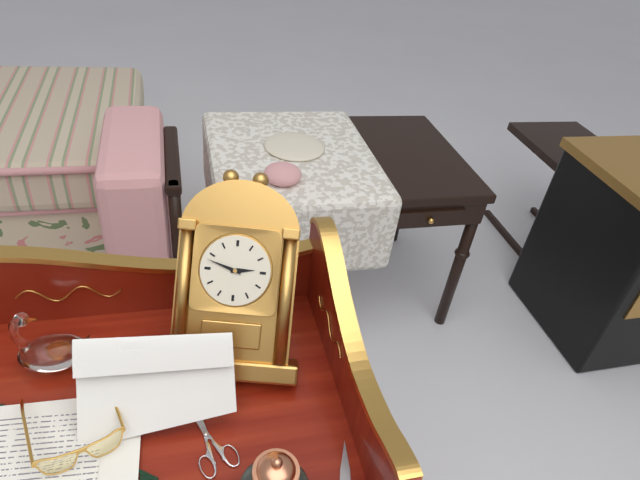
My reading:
2 h 48 min
